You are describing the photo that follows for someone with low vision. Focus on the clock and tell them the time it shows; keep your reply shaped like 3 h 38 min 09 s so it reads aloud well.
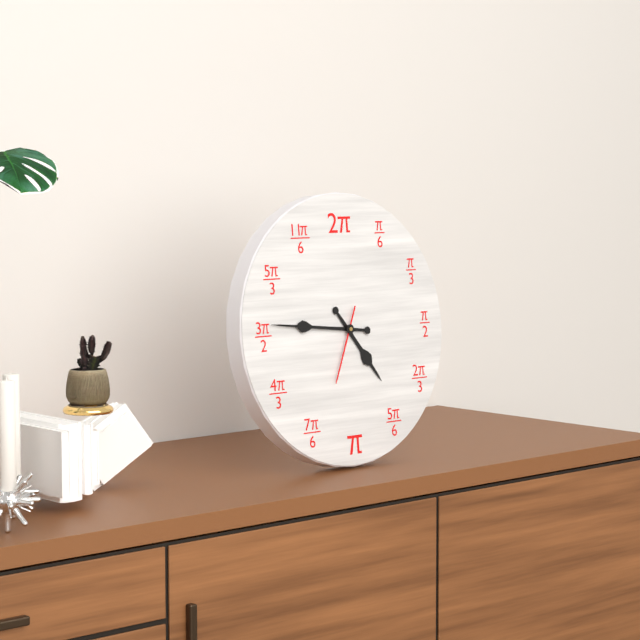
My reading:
4 h 46 min 34 s
